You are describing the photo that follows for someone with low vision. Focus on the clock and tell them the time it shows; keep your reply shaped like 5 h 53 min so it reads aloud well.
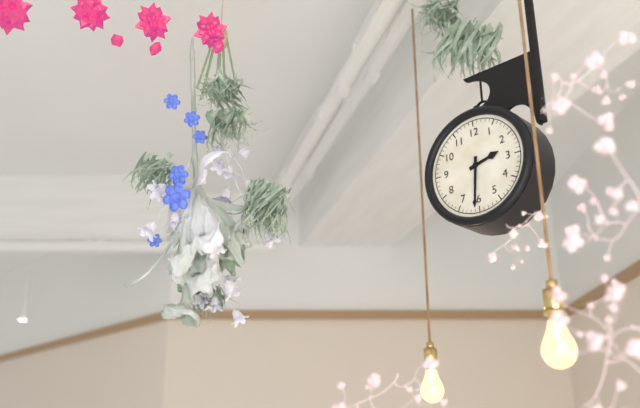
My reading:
2 h 31 min
